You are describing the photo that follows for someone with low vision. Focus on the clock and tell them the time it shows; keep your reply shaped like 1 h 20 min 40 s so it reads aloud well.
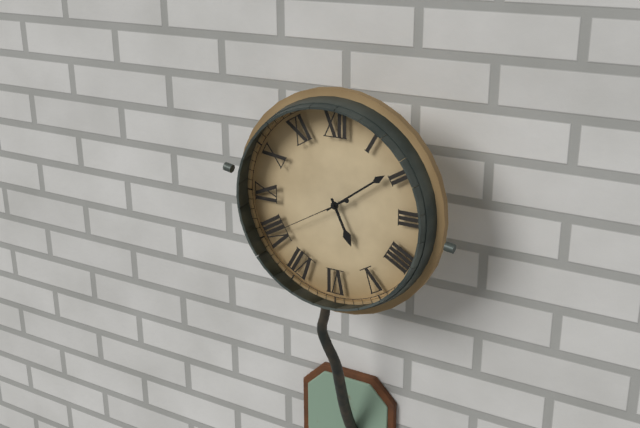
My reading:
5 h 09 min 40 s
